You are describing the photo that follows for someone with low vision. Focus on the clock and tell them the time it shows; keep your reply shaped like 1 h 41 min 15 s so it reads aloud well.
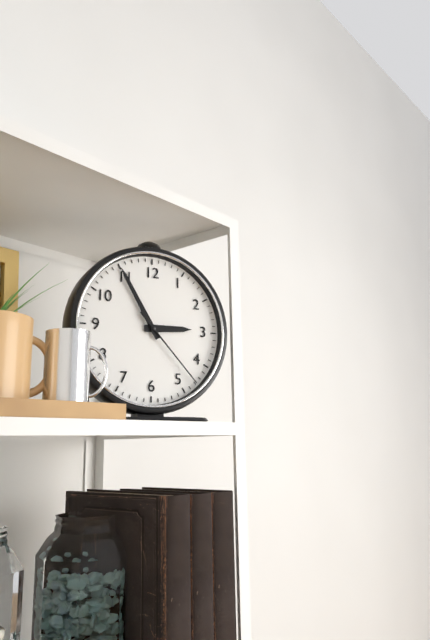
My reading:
2 h 55 min 23 s
